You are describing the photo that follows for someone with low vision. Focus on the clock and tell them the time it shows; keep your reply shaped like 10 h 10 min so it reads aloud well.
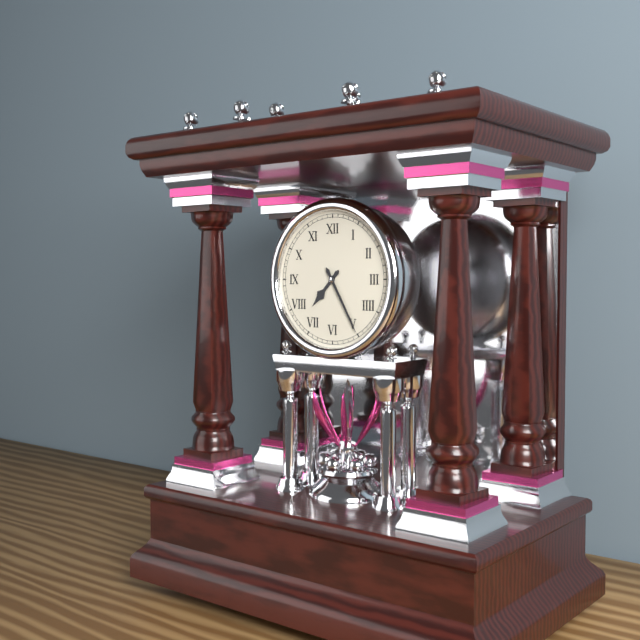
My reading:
7 h 25 min
